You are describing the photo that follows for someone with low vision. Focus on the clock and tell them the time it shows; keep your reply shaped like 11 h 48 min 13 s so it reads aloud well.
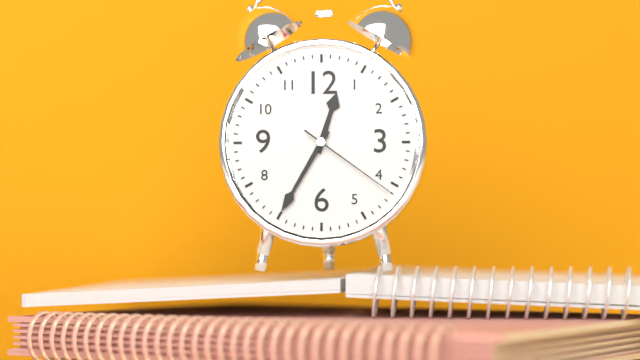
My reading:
12 h 35 min 21 s
